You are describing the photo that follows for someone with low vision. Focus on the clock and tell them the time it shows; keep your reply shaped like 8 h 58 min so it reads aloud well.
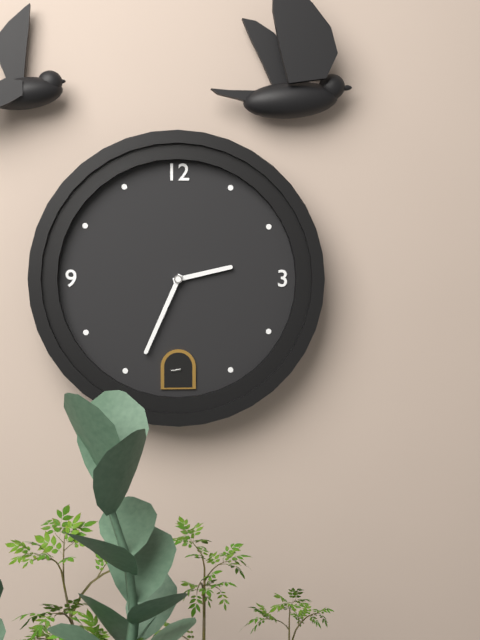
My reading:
2 h 34 min
